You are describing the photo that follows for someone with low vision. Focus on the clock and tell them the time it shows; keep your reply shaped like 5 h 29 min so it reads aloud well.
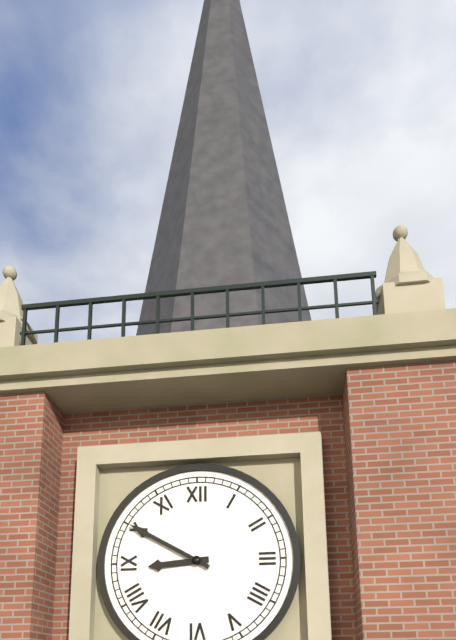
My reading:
8 h 50 min
